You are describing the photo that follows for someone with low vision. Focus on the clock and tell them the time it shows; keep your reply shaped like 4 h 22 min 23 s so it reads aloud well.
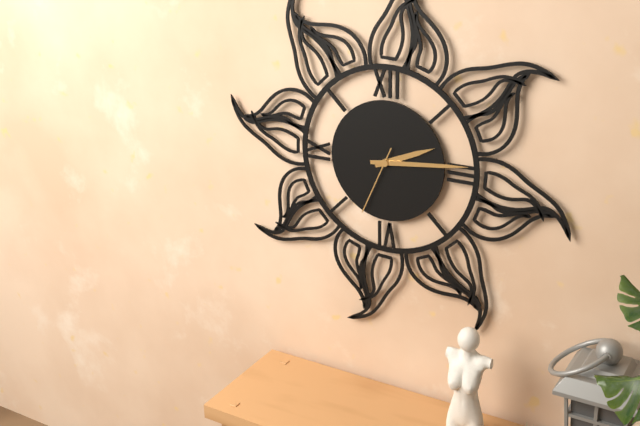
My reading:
2 h 14 min 34 s
